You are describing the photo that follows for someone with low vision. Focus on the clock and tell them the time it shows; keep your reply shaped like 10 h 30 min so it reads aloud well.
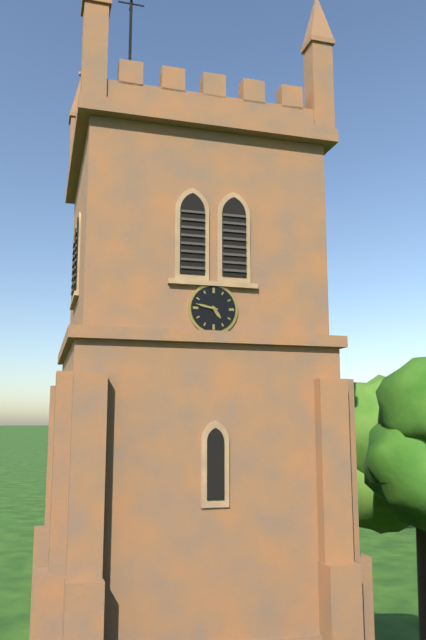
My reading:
4 h 47 min
